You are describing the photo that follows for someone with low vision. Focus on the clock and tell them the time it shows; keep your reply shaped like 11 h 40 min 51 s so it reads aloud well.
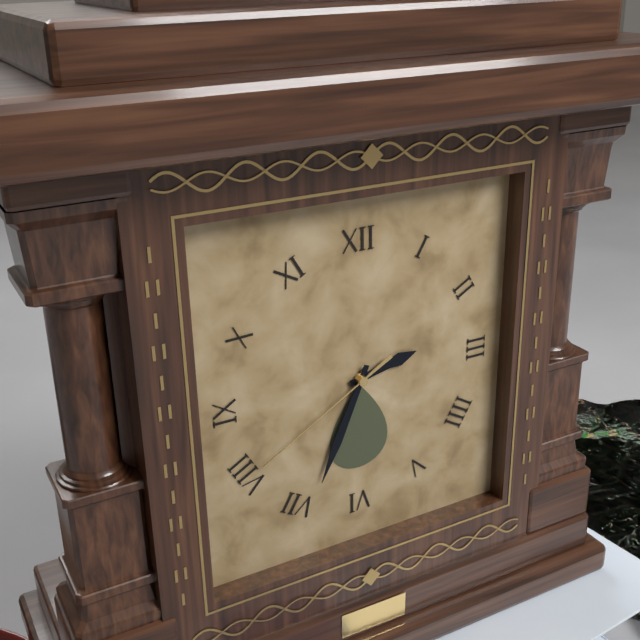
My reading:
2 h 34 min 40 s
